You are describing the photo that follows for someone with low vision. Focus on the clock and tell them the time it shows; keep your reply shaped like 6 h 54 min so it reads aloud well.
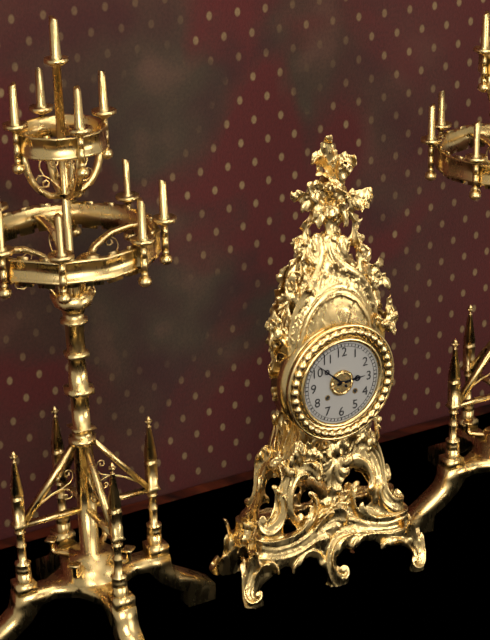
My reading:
2 h 52 min
